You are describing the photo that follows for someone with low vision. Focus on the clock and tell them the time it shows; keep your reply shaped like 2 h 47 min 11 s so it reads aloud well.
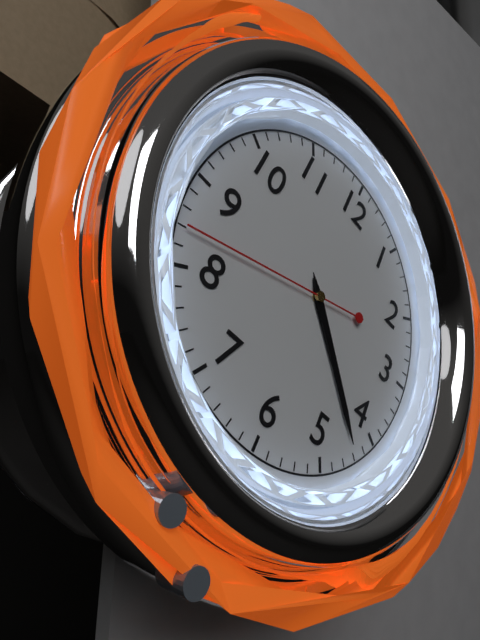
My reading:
4 h 22 min 42 s
